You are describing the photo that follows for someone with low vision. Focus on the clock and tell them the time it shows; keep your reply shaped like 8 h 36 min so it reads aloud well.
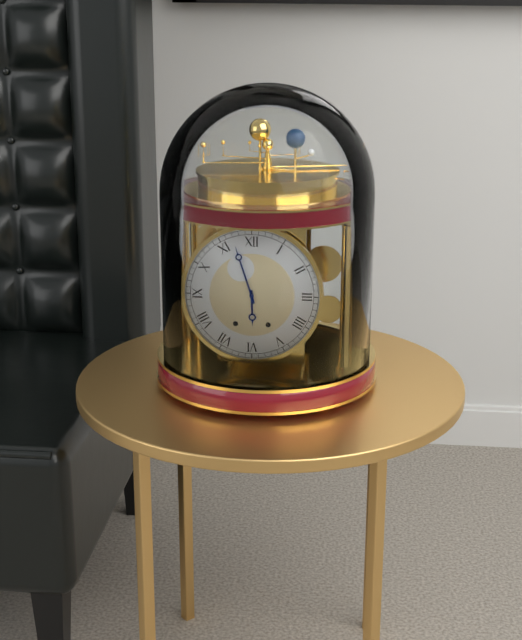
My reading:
5 h 57 min
